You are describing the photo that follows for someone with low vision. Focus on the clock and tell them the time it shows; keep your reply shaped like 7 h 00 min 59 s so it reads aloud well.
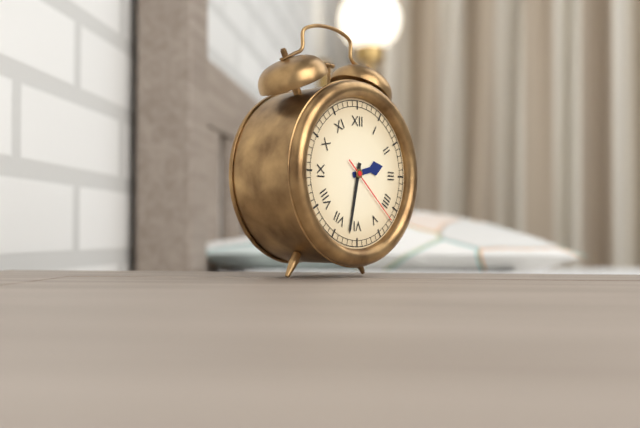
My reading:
2 h 32 min 22 s
